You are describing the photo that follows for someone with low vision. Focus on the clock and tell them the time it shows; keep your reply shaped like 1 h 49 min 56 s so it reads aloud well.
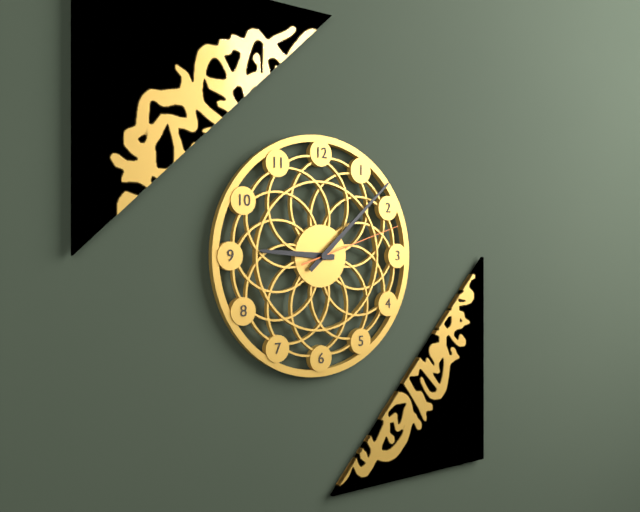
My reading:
9 h 08 min 12 s
